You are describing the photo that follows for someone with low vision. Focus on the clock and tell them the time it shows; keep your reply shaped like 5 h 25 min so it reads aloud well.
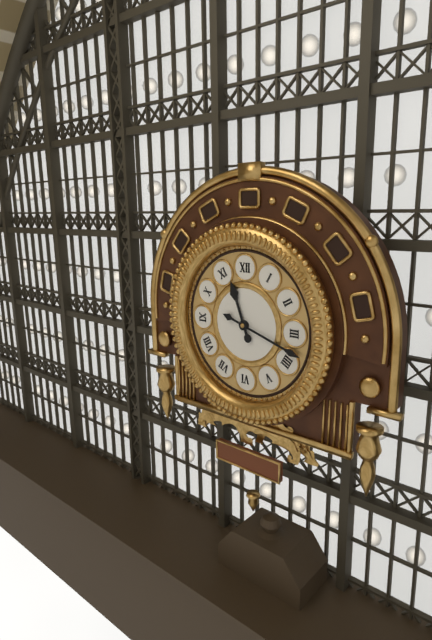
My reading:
11 h 18 min
